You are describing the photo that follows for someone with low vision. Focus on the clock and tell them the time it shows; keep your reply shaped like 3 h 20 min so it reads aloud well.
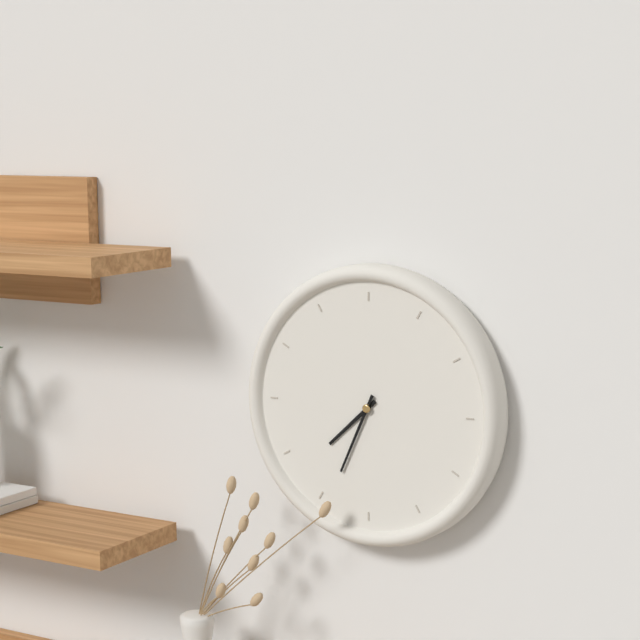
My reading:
7 h 34 min
